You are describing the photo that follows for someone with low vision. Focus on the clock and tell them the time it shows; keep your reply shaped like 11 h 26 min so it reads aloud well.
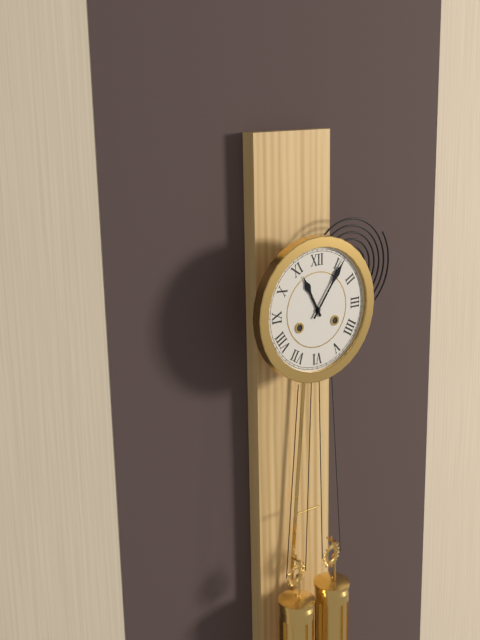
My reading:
11 h 06 min
